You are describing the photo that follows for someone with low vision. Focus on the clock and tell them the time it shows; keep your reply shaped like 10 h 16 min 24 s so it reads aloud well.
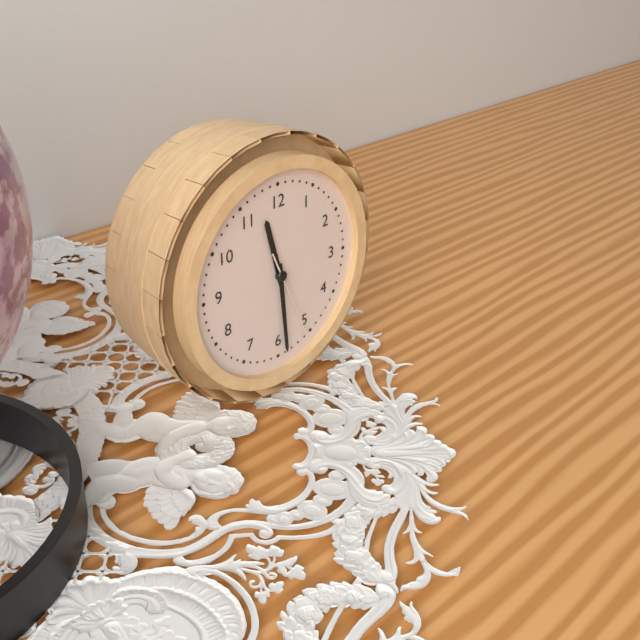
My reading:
11 h 29 min 26 s
